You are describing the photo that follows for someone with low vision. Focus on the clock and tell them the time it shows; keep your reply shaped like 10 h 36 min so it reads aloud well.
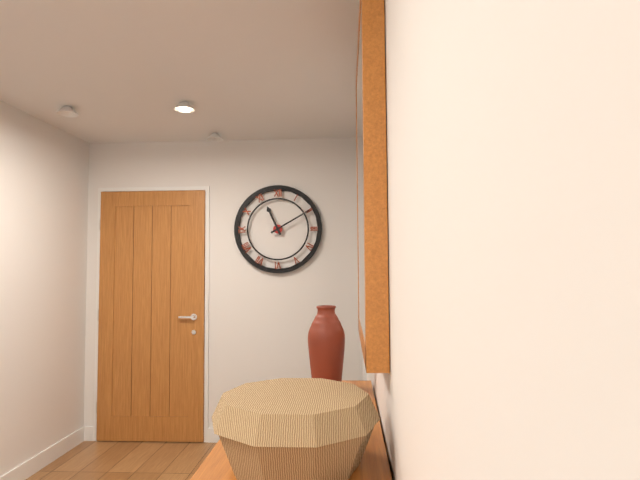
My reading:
11 h 10 min
